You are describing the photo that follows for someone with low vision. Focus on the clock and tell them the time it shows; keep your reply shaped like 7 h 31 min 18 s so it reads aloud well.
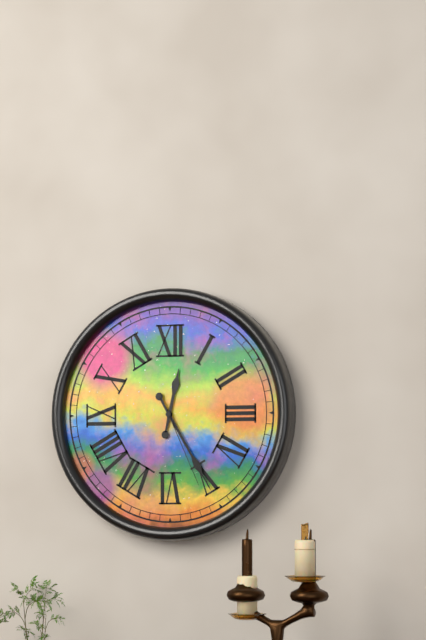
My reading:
12 h 25 min 26 s
